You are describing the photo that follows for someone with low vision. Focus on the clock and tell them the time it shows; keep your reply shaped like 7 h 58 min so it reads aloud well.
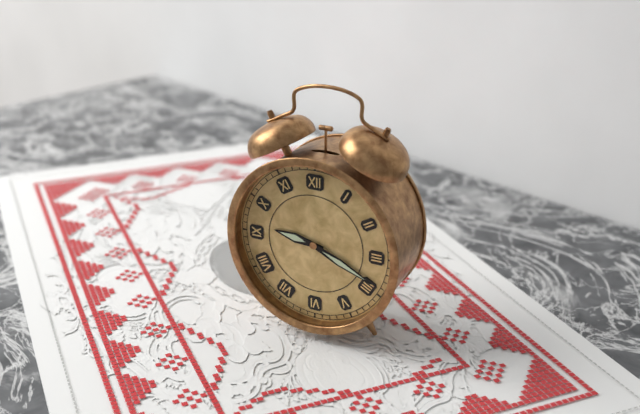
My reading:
9 h 19 min
